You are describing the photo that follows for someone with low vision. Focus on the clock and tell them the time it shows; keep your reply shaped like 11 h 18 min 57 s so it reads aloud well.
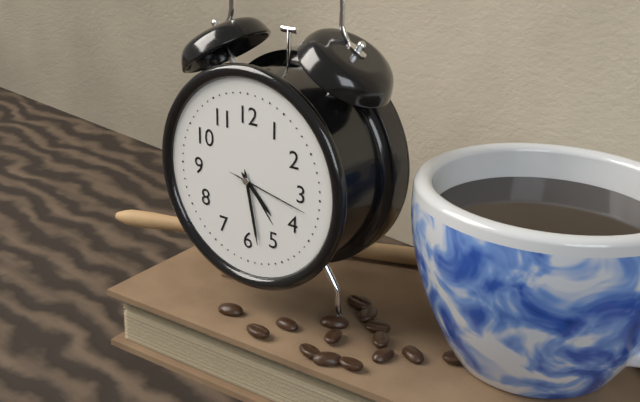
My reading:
4 h 28 min 17 s
